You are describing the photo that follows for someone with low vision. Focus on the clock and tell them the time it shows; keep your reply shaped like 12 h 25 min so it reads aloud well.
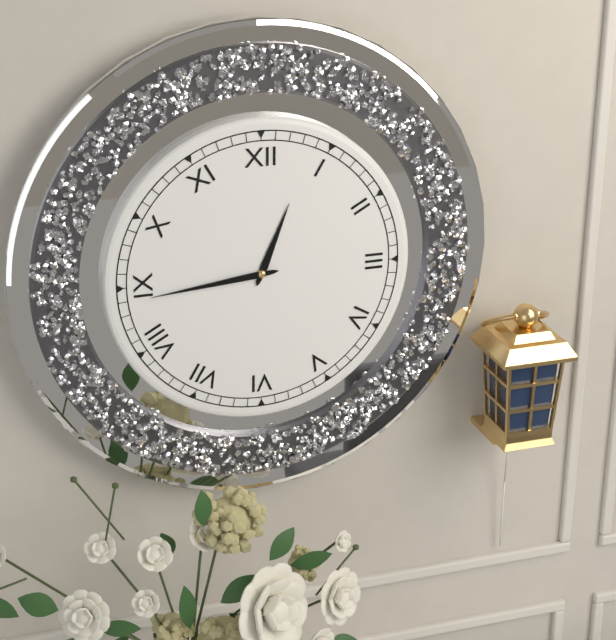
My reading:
12 h 44 min
